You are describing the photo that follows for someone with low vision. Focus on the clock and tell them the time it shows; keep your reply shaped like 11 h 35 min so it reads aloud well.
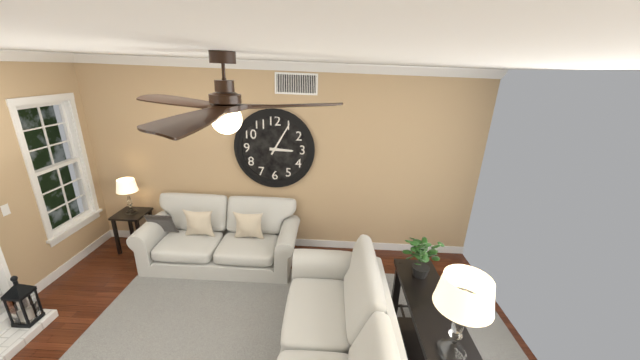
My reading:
3 h 05 min
